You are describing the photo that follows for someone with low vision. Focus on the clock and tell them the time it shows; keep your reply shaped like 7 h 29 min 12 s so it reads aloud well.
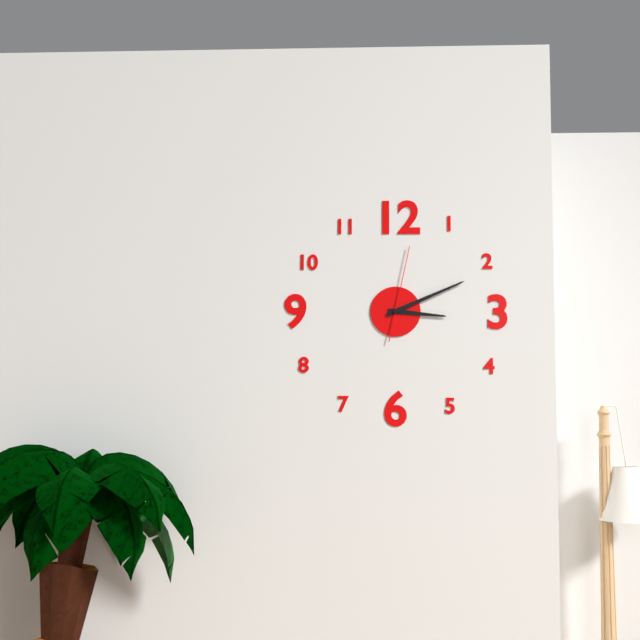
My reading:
3 h 11 min 02 s
